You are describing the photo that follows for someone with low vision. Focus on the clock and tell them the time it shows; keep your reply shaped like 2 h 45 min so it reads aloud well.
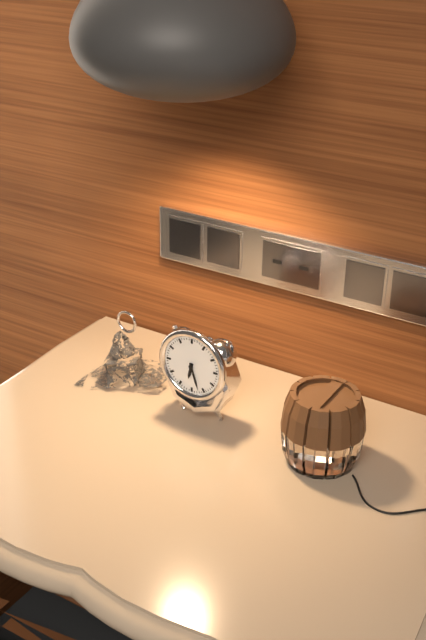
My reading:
6 h 27 min
